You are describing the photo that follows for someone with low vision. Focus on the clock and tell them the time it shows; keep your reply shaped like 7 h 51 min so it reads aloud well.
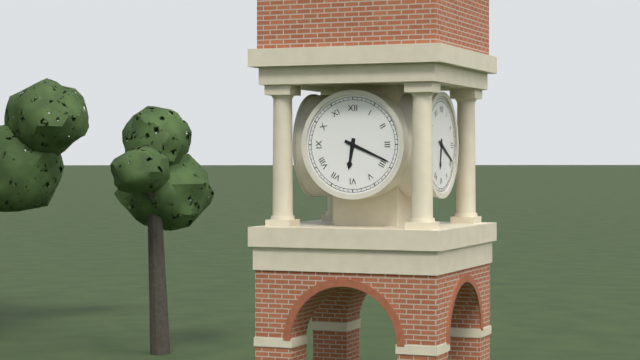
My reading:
6 h 19 min
